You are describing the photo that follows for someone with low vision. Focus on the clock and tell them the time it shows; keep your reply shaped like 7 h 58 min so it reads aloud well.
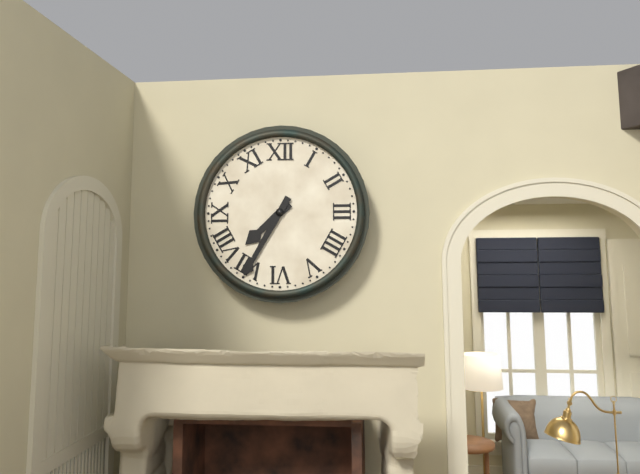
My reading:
7 h 35 min
